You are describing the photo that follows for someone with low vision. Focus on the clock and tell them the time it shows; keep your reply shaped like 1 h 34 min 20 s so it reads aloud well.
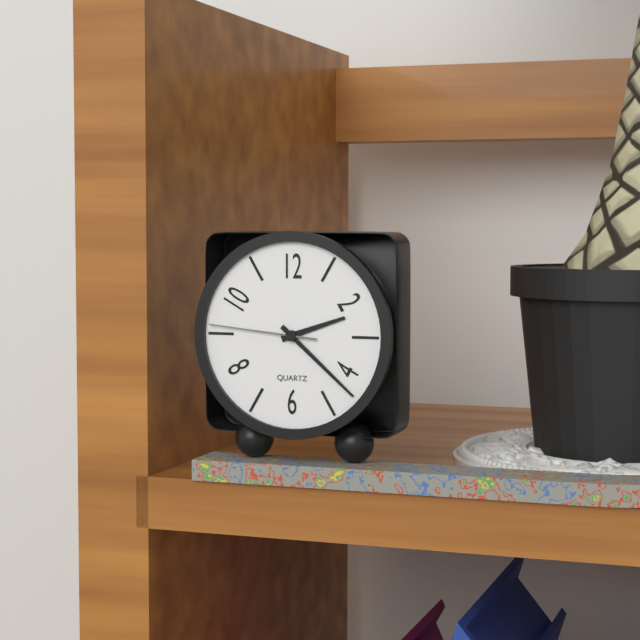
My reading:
2 h 22 min 46 s
